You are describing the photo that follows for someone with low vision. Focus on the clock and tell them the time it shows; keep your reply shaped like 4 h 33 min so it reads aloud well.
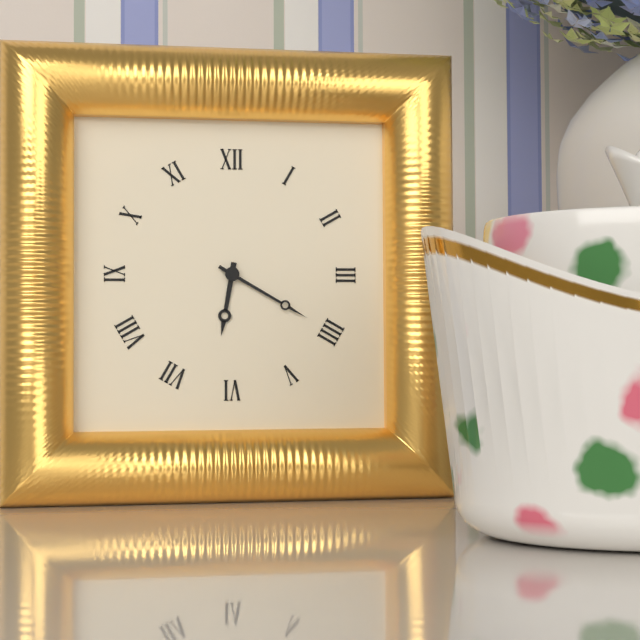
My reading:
6 h 20 min
